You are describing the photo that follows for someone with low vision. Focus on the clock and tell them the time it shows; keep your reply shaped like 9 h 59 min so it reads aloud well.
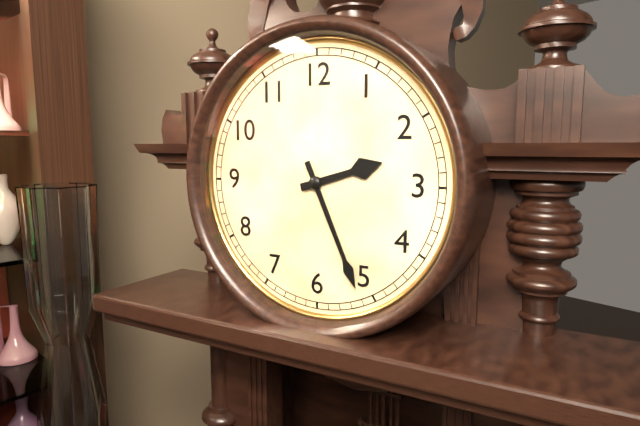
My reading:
2 h 26 min
